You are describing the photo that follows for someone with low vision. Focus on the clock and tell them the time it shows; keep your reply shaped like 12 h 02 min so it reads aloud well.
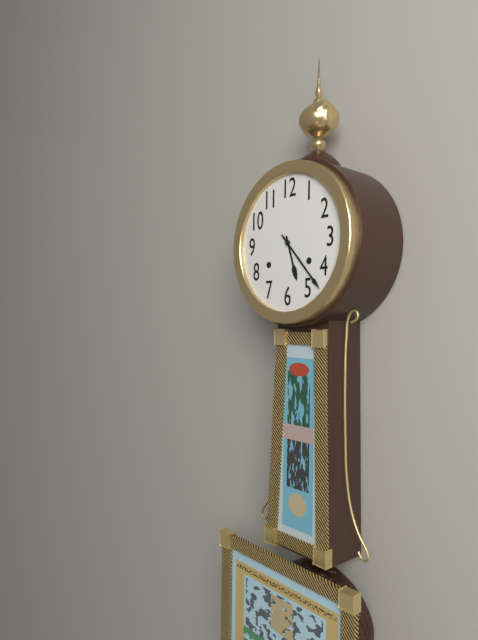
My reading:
5 h 23 min
